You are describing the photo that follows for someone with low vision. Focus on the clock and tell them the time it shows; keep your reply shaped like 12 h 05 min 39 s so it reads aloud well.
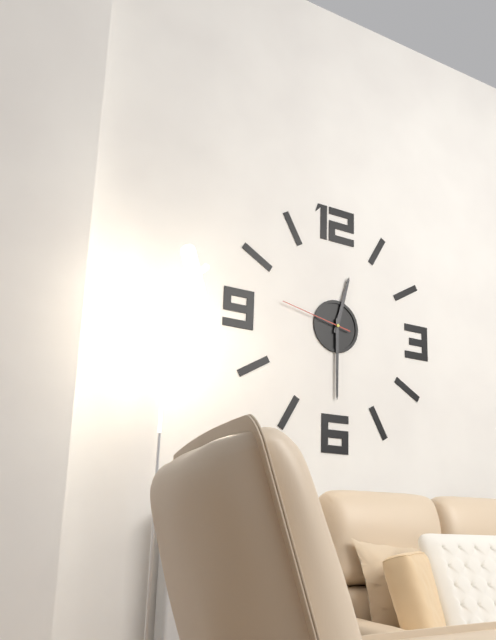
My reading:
12 h 30 min 47 s
